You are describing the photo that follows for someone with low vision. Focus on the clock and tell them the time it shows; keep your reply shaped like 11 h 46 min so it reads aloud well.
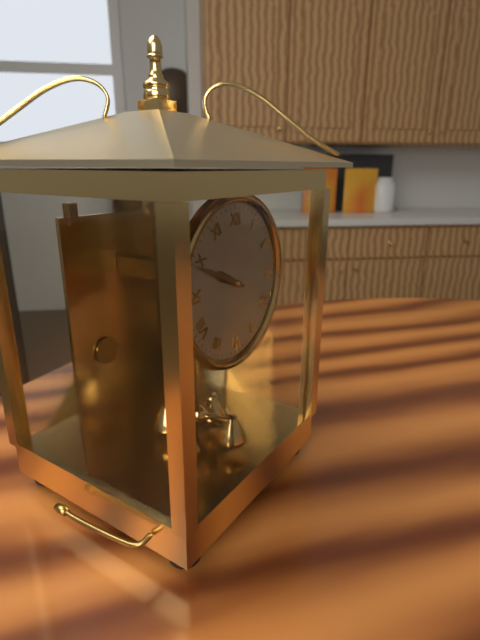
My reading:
9 h 49 min
